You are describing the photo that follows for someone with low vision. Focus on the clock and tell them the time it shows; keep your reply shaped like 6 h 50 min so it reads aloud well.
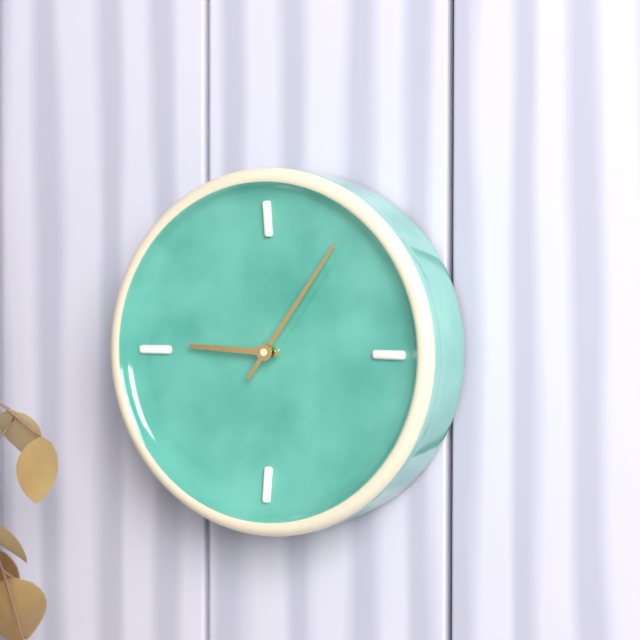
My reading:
9 h 06 min
